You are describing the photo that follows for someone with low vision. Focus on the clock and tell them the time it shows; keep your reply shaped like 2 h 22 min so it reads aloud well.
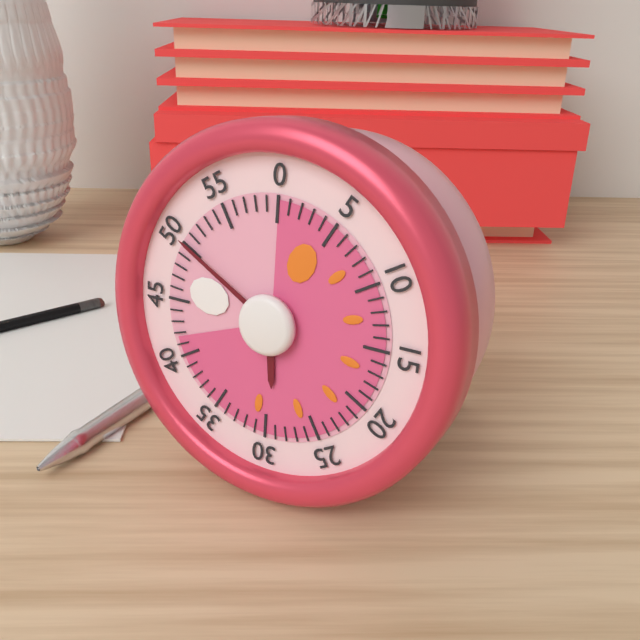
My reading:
5 h 50 min
